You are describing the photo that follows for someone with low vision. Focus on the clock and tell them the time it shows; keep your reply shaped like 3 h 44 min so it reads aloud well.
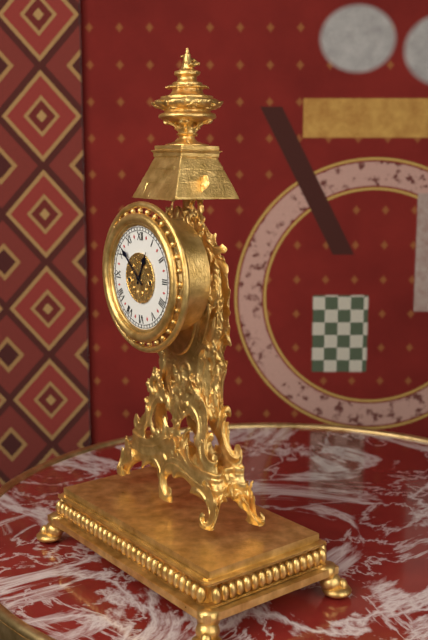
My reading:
12 h 52 min
